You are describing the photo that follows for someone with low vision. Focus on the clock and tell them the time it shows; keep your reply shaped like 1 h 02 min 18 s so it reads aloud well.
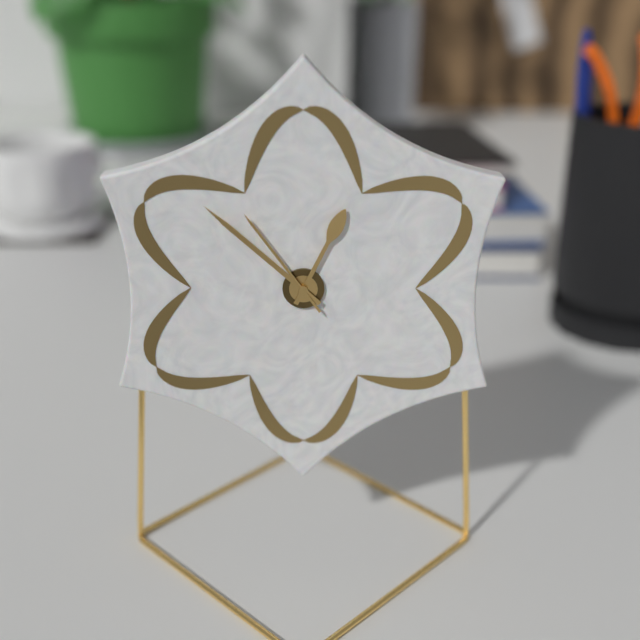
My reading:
12 h 52 min 54 s
